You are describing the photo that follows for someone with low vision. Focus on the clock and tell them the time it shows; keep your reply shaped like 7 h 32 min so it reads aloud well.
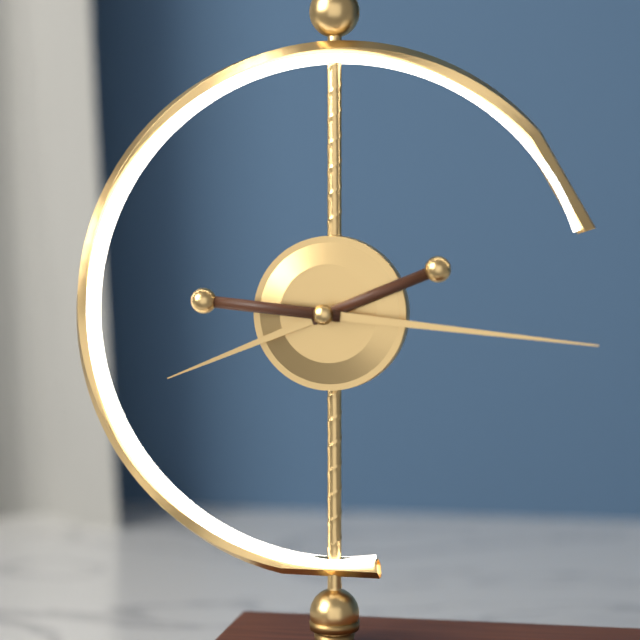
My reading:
8 h 16 min
